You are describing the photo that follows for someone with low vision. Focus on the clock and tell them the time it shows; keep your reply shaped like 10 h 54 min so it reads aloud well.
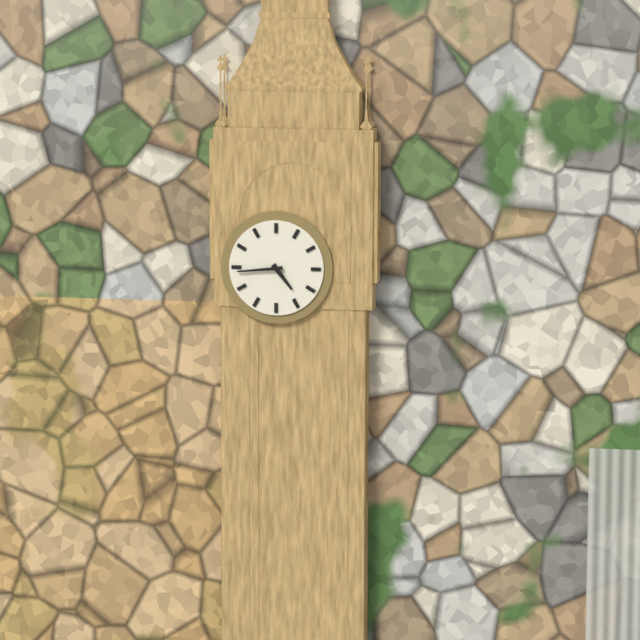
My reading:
4 h 44 min
